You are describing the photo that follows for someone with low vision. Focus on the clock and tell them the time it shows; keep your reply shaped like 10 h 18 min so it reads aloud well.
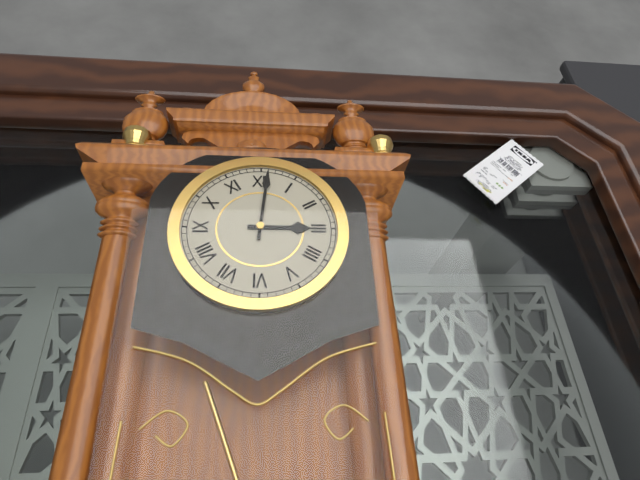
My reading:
3 h 01 min
